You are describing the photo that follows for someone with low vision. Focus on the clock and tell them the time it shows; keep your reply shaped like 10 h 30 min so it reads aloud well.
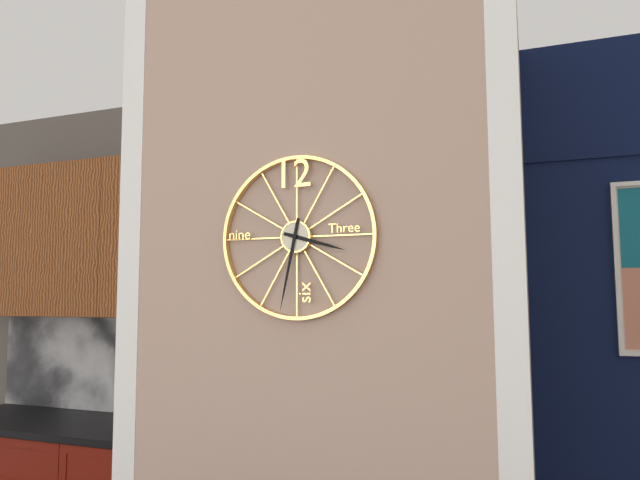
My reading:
3 h 32 min
